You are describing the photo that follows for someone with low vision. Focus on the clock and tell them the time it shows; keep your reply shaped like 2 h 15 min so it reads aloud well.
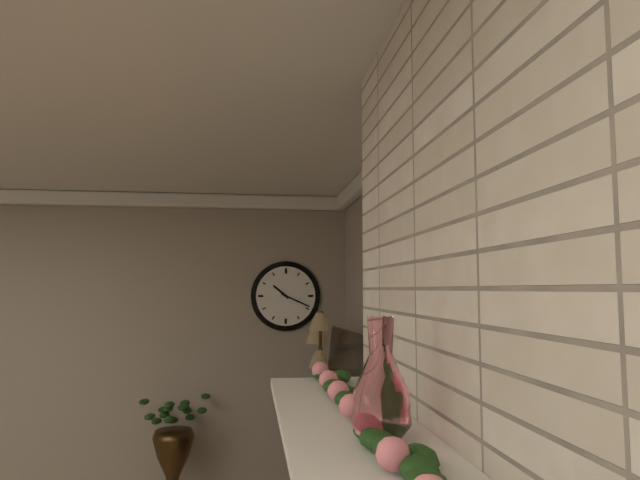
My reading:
10 h 19 min
